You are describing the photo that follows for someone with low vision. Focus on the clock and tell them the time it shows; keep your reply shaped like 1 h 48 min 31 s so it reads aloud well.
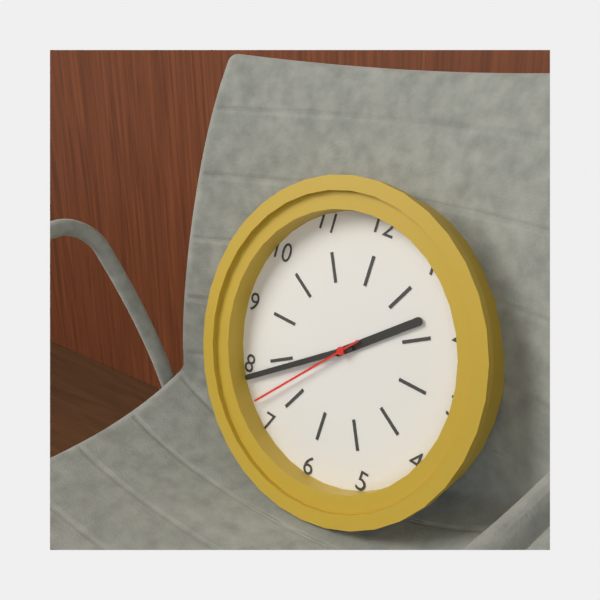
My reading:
1 h 39 min 37 s
